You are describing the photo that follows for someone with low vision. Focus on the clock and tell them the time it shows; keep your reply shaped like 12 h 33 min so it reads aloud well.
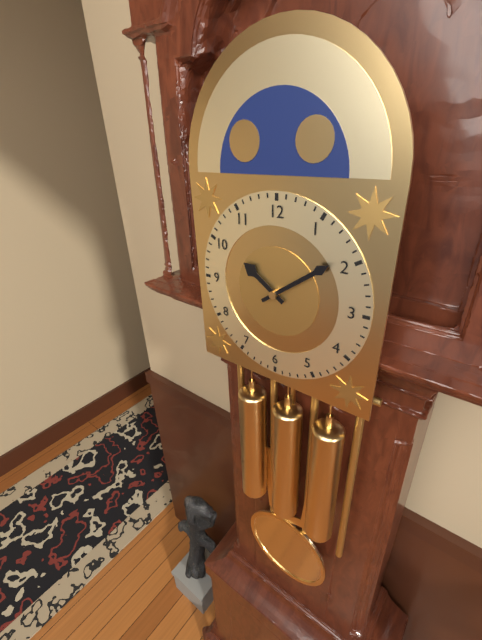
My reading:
10 h 09 min
